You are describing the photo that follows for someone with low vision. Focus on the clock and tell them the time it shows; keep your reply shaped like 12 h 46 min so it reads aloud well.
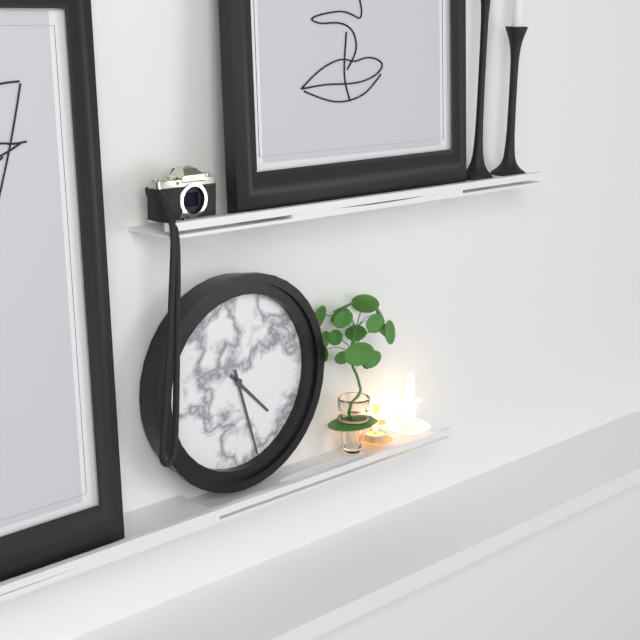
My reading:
4 h 27 min
